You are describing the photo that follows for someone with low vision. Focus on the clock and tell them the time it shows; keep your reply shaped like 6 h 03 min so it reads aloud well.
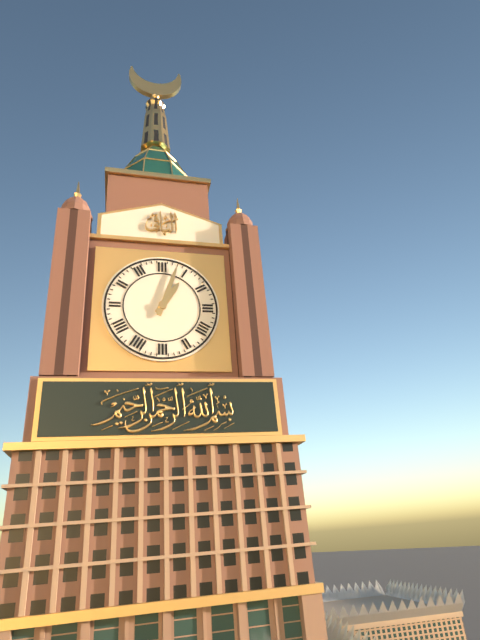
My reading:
1 h 03 min
